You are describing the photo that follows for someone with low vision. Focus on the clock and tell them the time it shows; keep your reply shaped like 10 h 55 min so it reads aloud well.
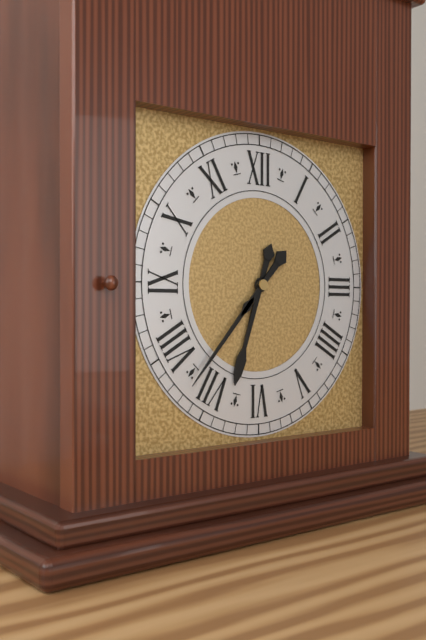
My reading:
6 h 37 min
